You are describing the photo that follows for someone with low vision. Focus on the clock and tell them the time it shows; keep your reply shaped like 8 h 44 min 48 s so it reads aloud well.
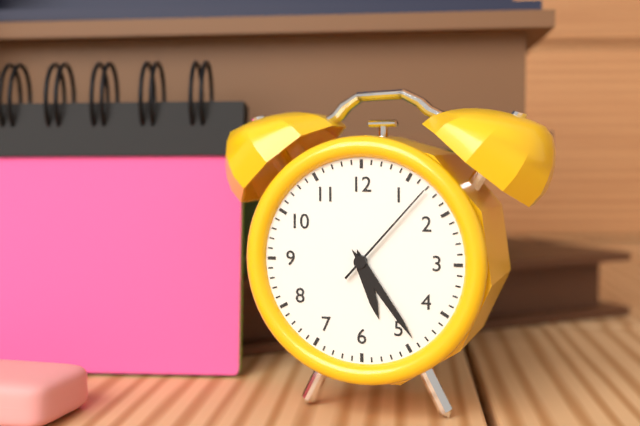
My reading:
5 h 24 min 07 s
